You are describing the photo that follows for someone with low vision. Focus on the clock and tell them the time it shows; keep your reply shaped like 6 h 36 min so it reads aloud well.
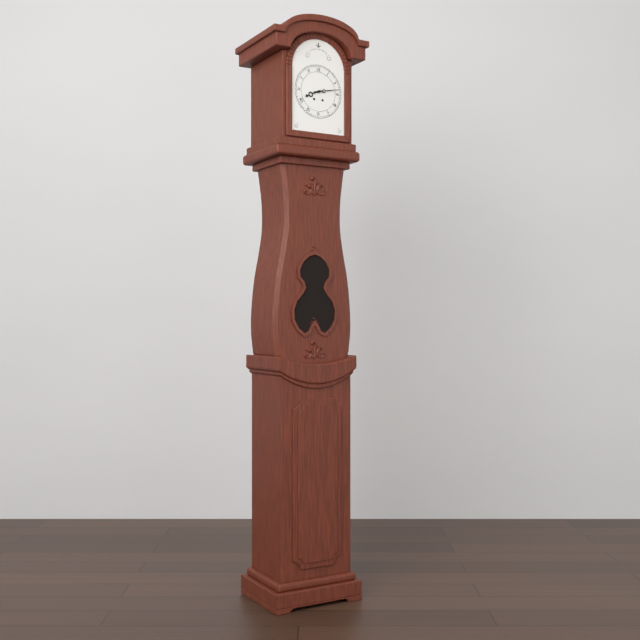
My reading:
8 h 13 min
